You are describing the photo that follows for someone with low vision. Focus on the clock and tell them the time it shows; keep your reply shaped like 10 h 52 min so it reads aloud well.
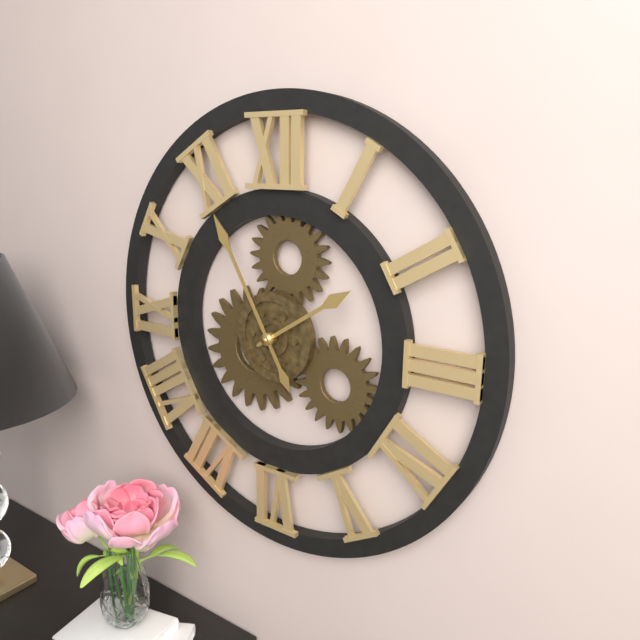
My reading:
1 h 55 min
